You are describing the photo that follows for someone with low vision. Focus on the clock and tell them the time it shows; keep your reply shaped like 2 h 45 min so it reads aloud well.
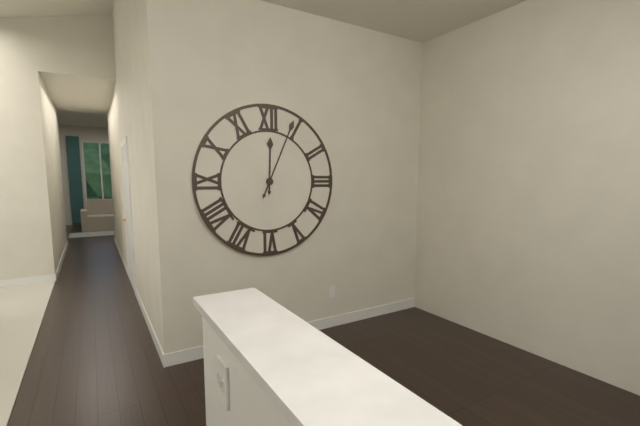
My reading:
12 h 04 min
